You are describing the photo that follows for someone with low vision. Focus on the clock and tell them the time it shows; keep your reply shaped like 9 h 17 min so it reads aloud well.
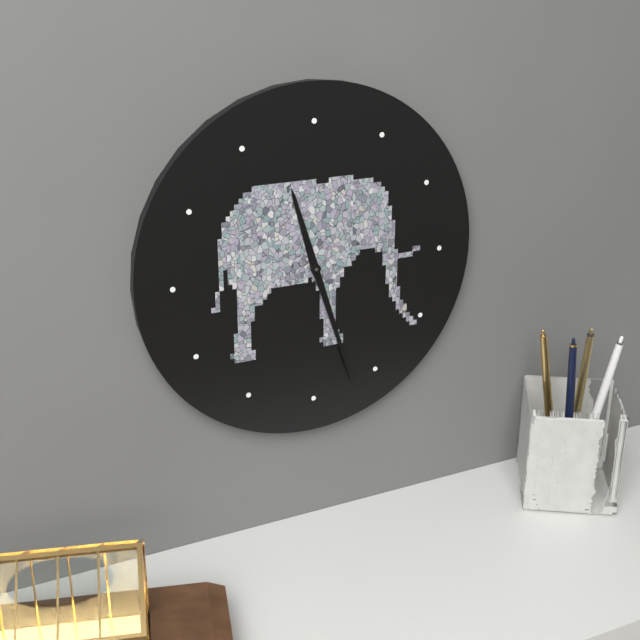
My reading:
11 h 27 min
